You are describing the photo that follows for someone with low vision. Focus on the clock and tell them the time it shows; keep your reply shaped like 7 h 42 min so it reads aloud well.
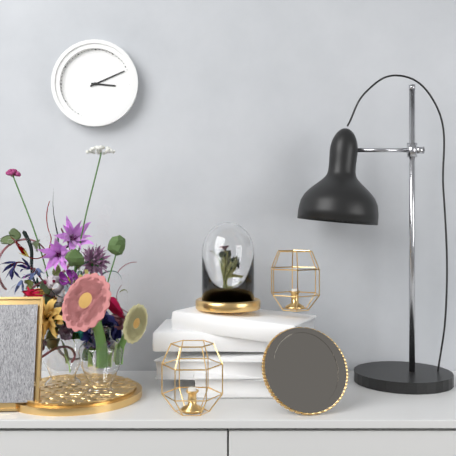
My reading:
3 h 11 min
